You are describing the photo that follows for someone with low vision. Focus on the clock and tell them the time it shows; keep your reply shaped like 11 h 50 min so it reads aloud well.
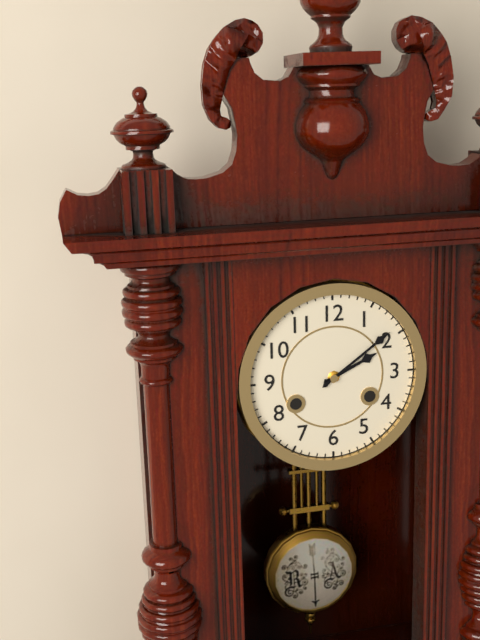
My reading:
2 h 09 min
